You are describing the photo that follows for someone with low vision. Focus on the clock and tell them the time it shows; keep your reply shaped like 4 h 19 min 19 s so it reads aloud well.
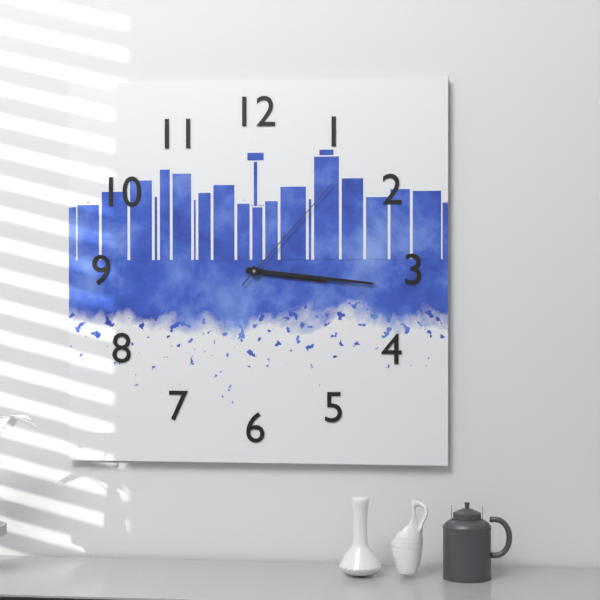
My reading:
3 h 16 min 07 s
